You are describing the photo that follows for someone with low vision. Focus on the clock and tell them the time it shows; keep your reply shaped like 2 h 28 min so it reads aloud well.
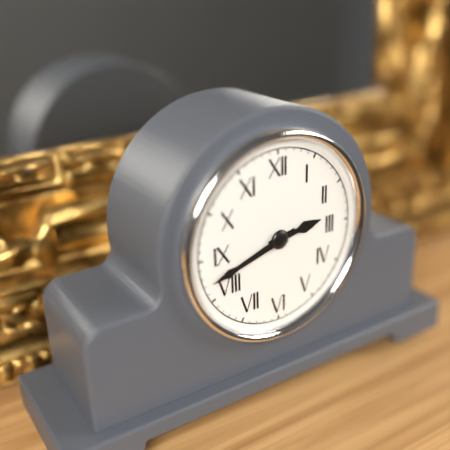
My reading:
2 h 42 min
